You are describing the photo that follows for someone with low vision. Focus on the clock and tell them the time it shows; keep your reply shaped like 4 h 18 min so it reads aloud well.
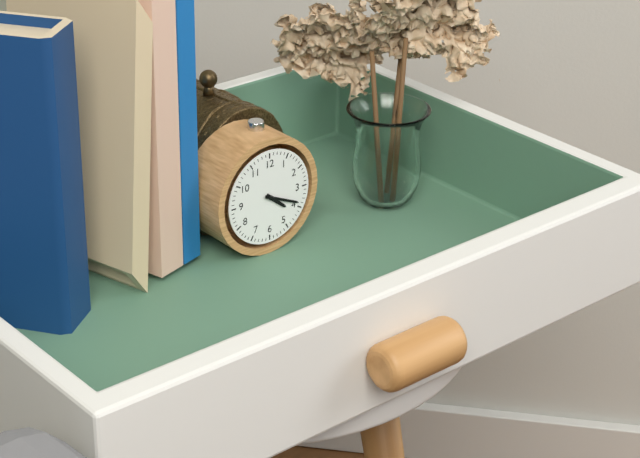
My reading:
4 h 19 min
